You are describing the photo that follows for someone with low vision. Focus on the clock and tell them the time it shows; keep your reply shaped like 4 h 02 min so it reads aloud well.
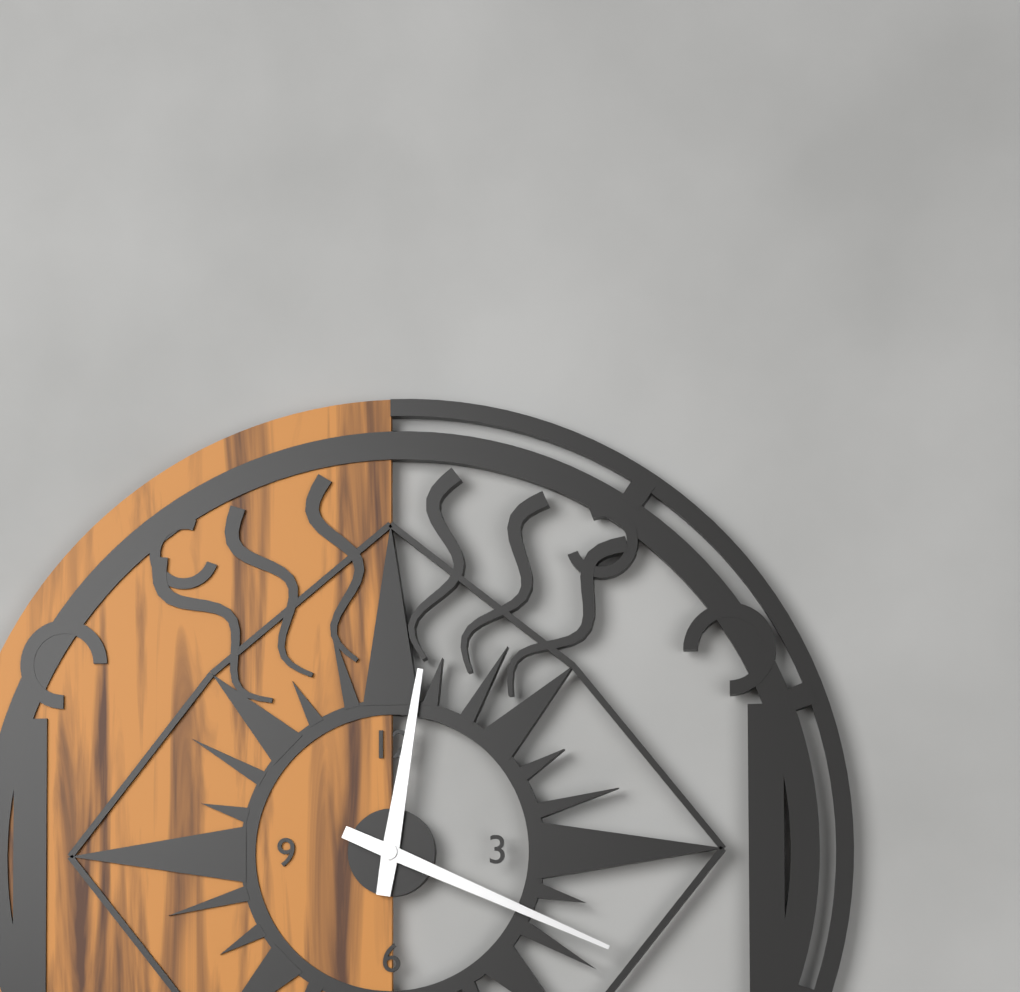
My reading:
12 h 19 min
